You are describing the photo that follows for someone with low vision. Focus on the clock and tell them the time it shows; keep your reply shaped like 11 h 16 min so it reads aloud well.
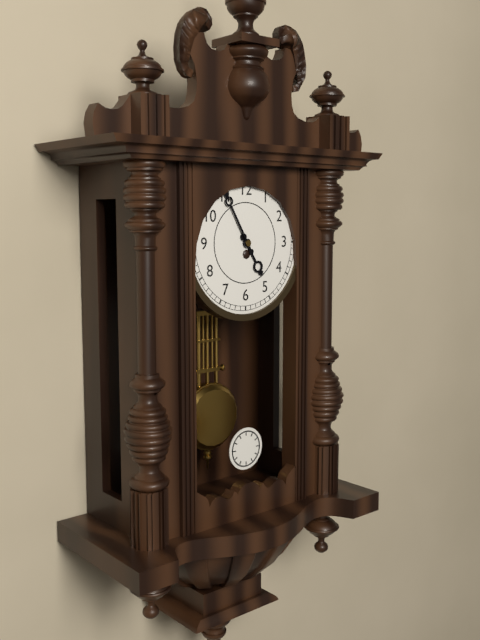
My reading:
4 h 55 min
